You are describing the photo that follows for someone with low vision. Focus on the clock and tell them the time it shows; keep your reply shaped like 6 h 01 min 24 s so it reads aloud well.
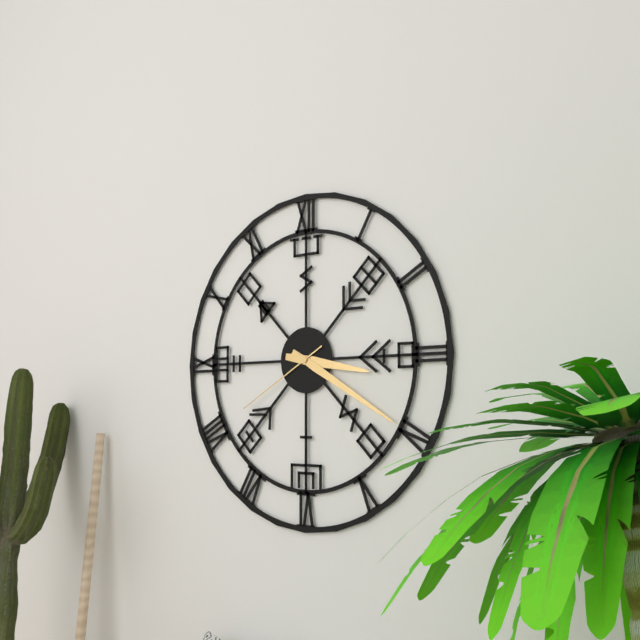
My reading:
3 h 20 min 40 s
